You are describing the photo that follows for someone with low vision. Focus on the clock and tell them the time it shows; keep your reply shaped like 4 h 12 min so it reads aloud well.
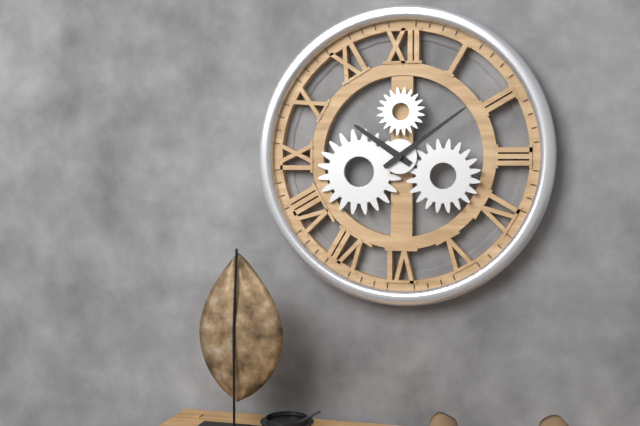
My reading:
10 h 09 min
